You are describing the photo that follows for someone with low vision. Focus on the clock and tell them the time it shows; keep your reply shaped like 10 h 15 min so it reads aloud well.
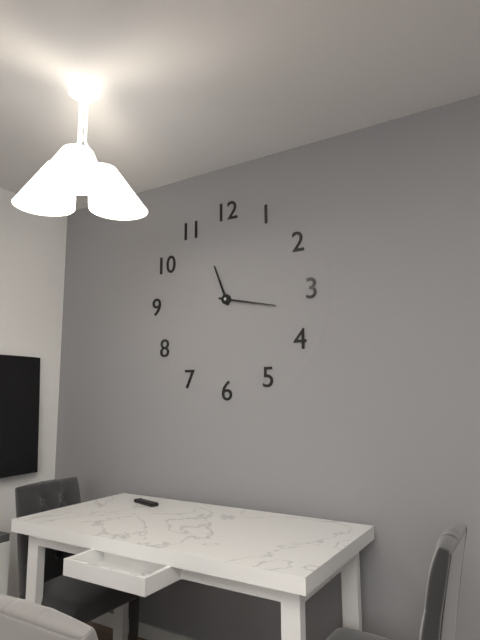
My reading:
11 h 17 min
